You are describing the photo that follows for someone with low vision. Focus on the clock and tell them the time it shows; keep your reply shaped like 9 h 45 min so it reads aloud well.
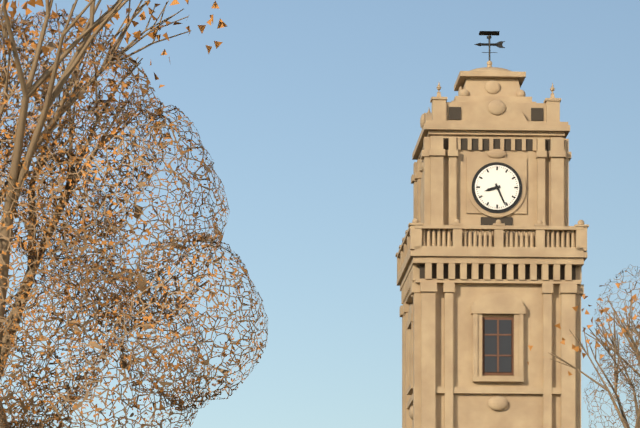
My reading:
8 h 26 min
